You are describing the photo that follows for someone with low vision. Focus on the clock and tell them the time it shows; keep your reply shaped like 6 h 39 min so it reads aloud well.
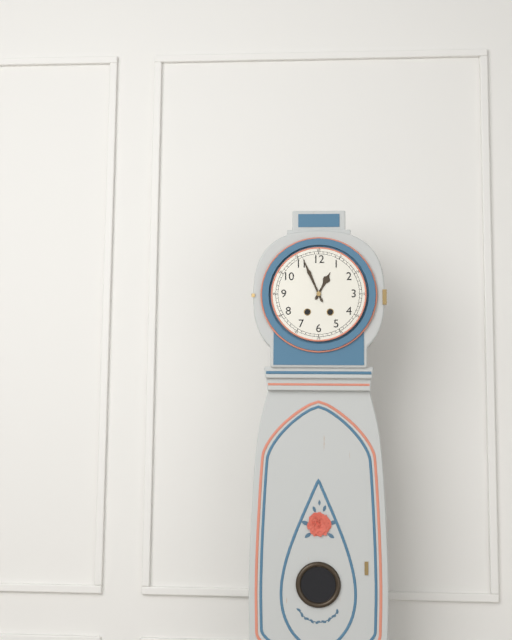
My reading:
12 h 56 min
